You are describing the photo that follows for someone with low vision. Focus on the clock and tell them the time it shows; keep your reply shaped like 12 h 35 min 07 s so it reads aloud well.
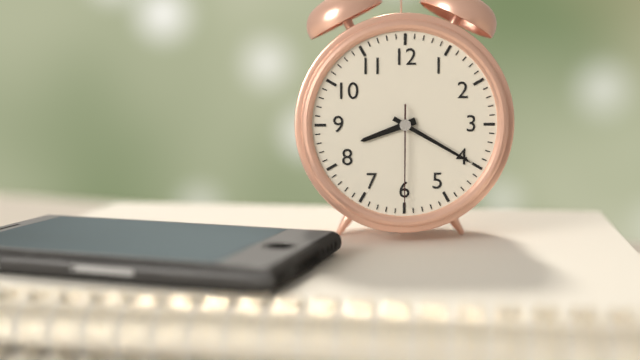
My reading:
8 h 20 min 30 s
